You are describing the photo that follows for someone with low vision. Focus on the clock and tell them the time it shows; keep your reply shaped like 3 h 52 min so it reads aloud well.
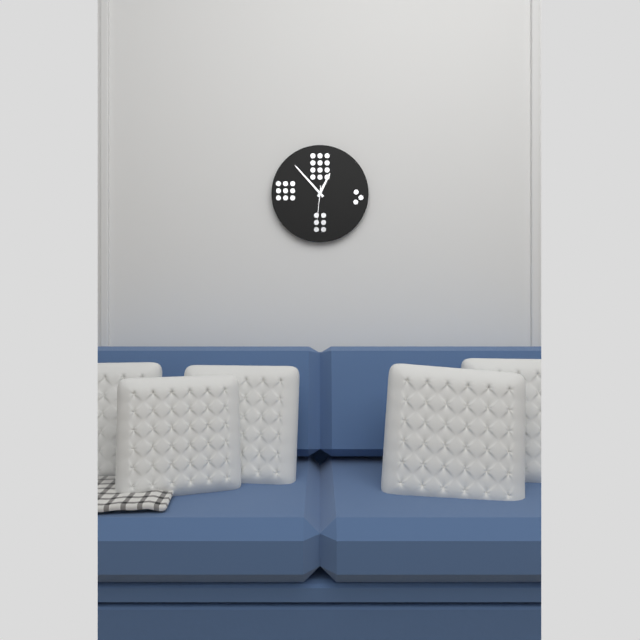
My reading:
12 h 53 min
